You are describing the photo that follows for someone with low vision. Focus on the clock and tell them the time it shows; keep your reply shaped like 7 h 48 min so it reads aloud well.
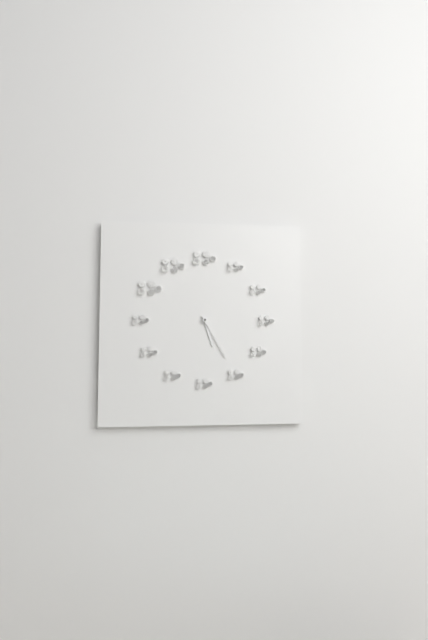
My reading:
5 h 25 min
